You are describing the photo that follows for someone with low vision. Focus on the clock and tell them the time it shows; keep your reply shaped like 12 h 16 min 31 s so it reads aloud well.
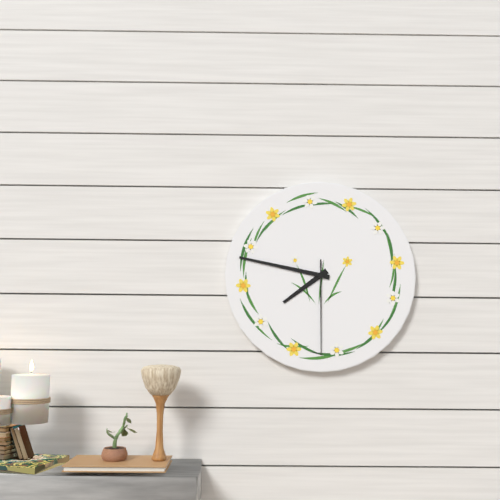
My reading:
7 h 47 min 30 s
